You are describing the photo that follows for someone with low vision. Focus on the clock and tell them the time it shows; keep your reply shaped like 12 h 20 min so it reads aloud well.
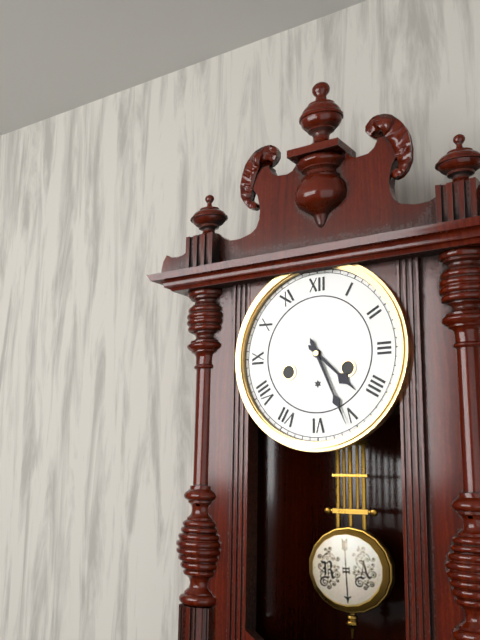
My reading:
4 h 26 min
